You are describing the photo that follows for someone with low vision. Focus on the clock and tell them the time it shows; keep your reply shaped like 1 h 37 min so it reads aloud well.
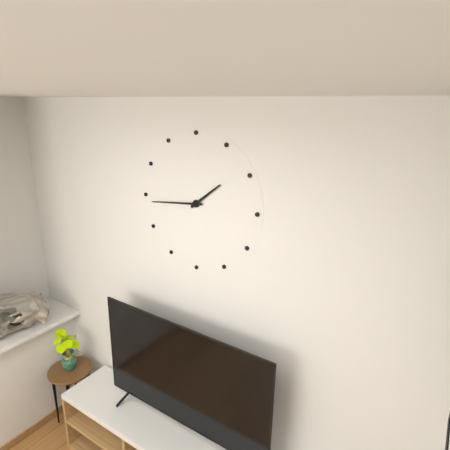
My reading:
1 h 44 min
